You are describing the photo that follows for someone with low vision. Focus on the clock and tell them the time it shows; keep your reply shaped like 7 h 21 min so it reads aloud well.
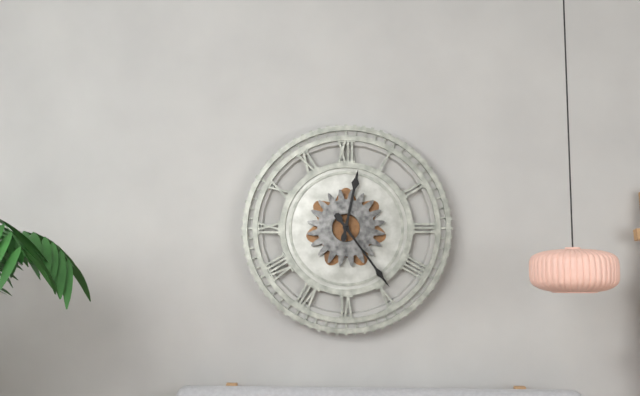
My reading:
12 h 24 min
